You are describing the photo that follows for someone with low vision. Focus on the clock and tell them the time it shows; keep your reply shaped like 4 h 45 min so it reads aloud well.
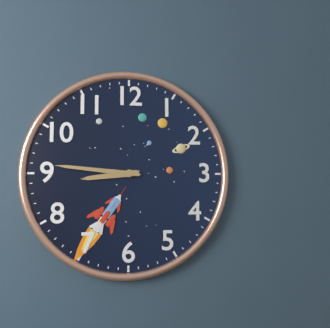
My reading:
8 h 46 min
